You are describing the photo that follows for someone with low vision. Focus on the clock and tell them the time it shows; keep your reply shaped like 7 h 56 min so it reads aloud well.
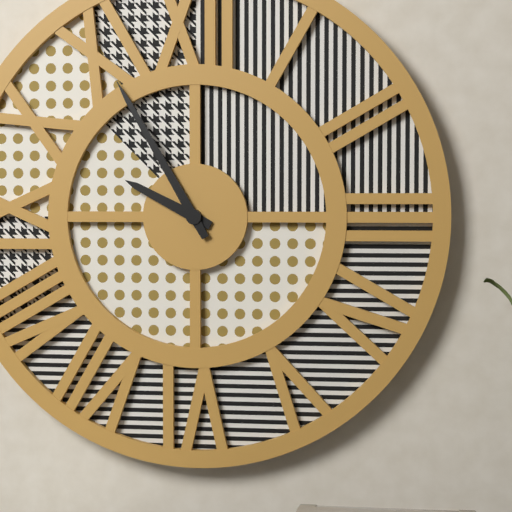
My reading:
9 h 55 min
